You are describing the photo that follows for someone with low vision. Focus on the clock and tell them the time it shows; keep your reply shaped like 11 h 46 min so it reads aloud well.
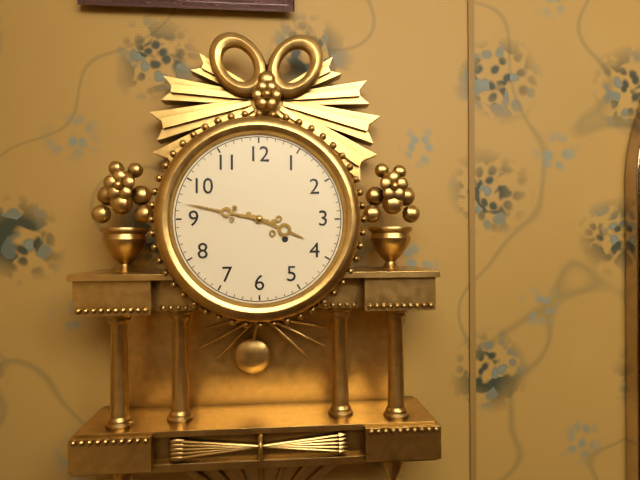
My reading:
3 h 47 min
